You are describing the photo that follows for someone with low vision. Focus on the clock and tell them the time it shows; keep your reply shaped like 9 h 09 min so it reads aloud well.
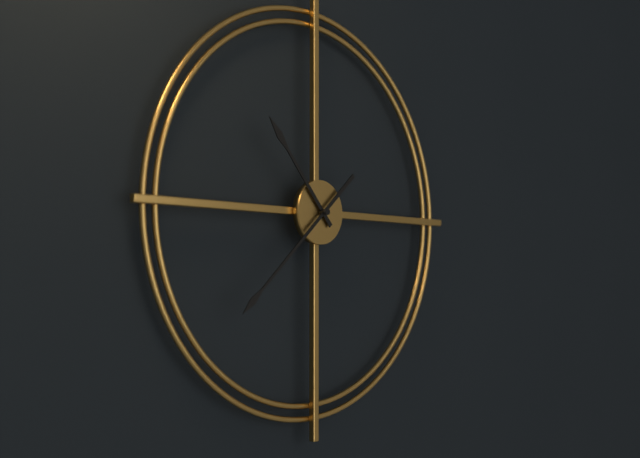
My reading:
10 h 38 min
